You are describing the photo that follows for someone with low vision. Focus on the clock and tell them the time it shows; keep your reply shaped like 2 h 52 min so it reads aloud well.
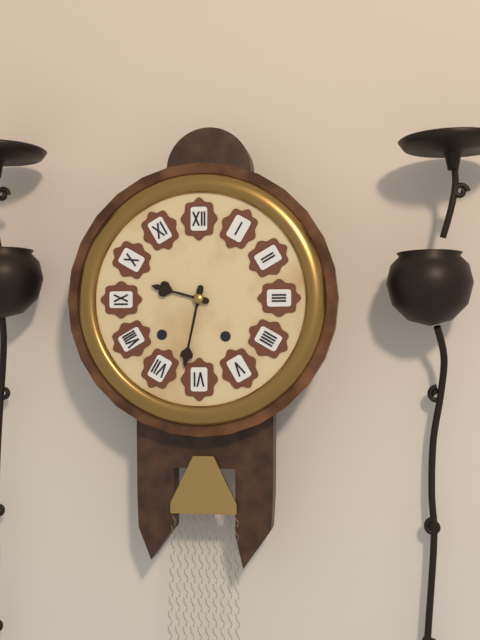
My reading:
9 h 32 min
